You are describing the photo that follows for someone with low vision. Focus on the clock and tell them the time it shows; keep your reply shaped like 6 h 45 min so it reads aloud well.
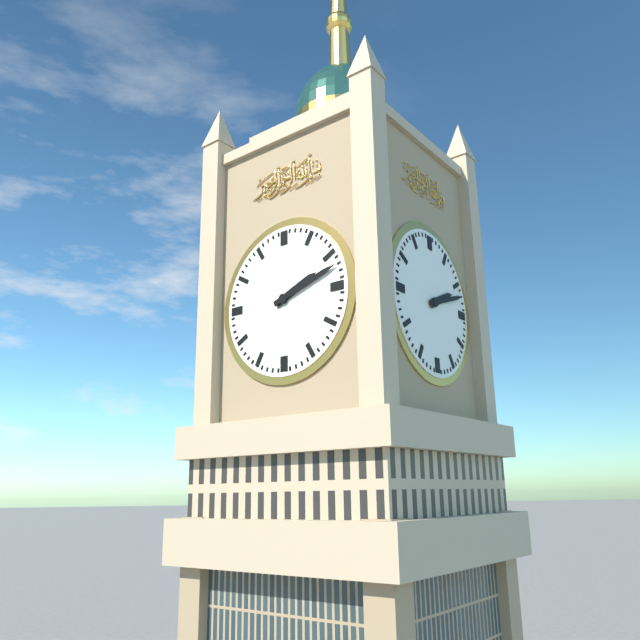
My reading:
2 h 12 min
